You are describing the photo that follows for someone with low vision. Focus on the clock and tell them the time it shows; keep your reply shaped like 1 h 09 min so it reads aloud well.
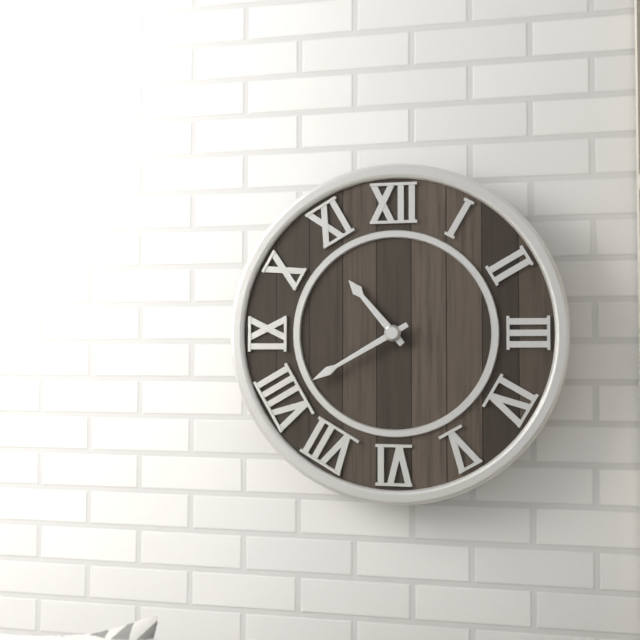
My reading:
10 h 40 min
